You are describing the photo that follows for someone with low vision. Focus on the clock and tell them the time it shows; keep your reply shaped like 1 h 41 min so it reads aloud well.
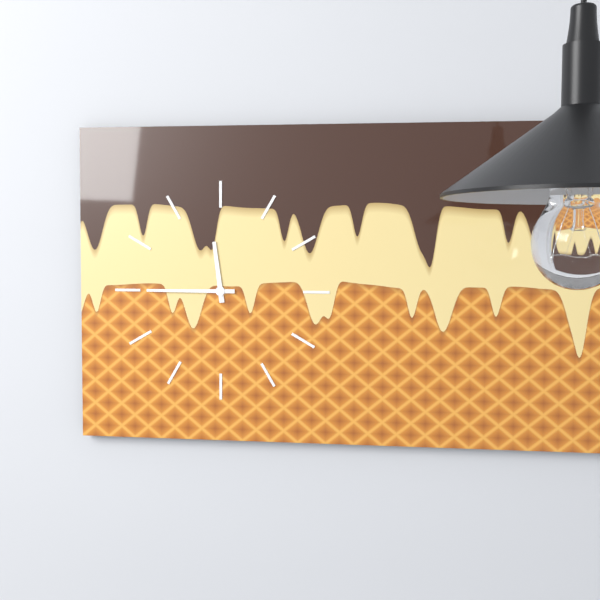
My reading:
11 h 45 min
